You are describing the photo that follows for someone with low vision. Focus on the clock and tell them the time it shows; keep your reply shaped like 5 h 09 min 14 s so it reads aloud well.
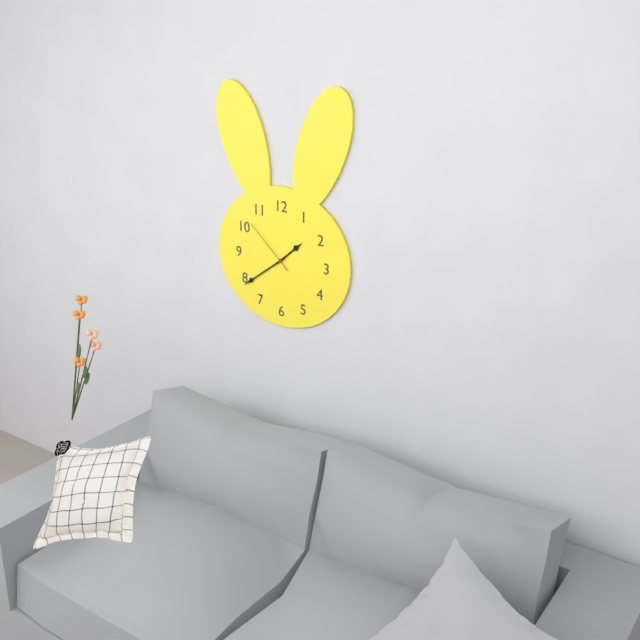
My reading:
1 h 39 min 52 s
